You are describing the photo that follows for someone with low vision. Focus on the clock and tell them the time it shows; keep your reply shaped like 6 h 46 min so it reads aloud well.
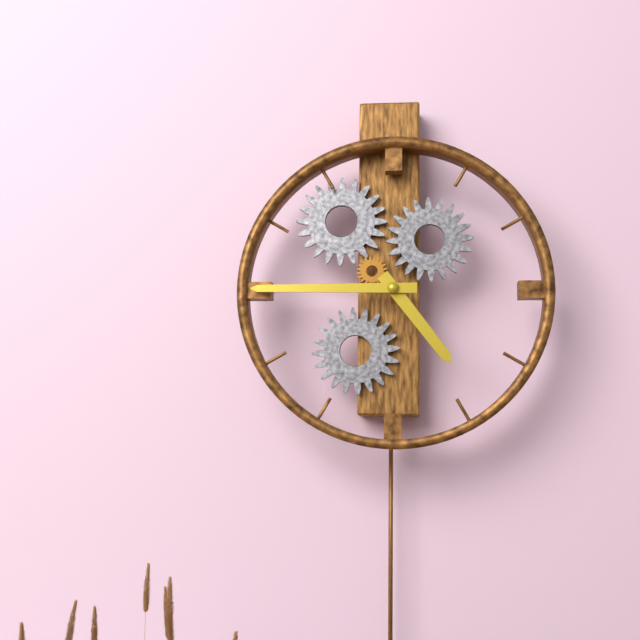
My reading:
4 h 45 min
